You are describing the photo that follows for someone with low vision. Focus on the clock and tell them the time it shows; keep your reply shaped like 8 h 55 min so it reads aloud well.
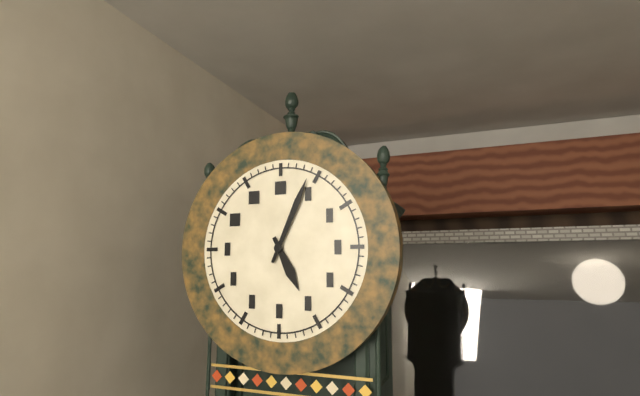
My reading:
5 h 04 min
